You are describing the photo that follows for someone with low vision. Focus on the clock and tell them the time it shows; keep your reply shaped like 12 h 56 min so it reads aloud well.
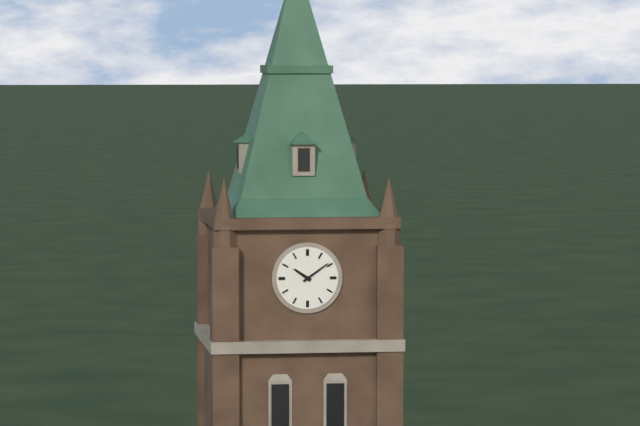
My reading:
10 h 09 min
